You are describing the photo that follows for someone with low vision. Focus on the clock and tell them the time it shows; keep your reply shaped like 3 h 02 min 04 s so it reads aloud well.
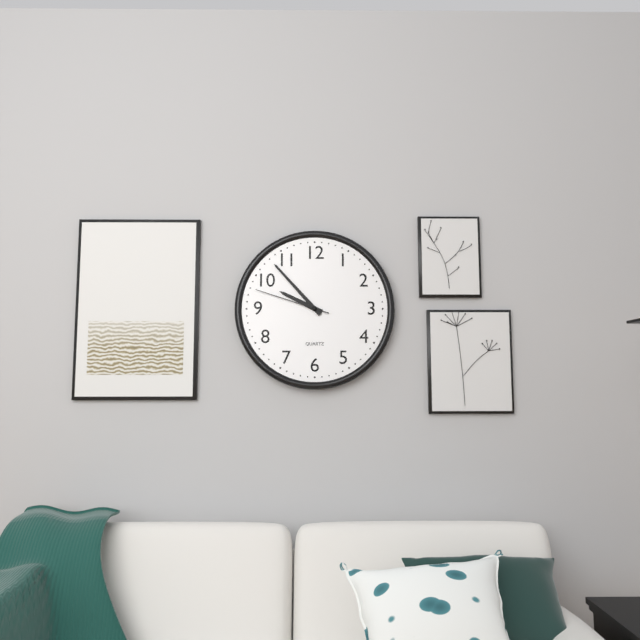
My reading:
9 h 53 min 48 s
